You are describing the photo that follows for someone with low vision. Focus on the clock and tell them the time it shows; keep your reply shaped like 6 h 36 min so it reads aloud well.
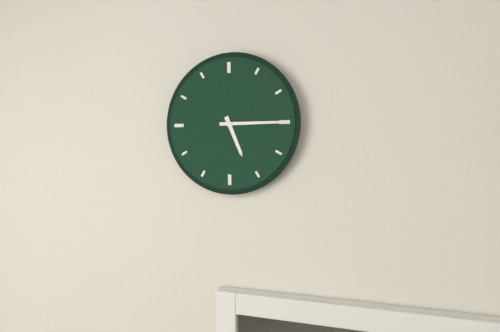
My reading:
5 h 15 min
